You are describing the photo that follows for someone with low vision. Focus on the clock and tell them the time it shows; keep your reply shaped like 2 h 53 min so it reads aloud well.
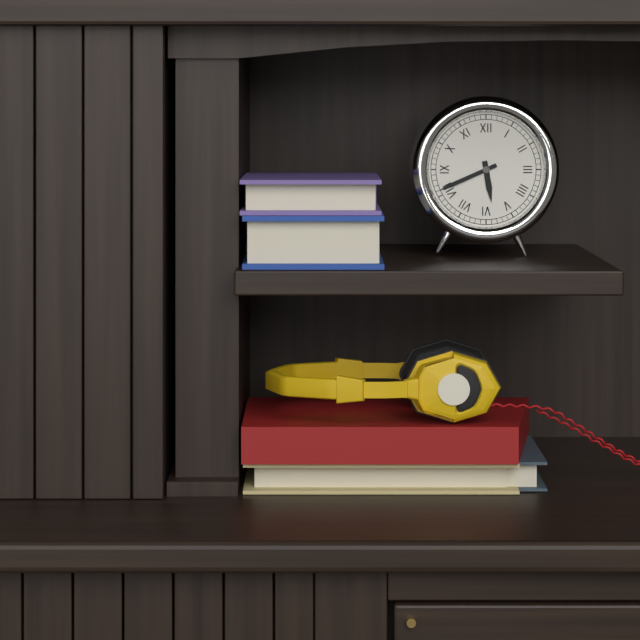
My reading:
5 h 41 min
